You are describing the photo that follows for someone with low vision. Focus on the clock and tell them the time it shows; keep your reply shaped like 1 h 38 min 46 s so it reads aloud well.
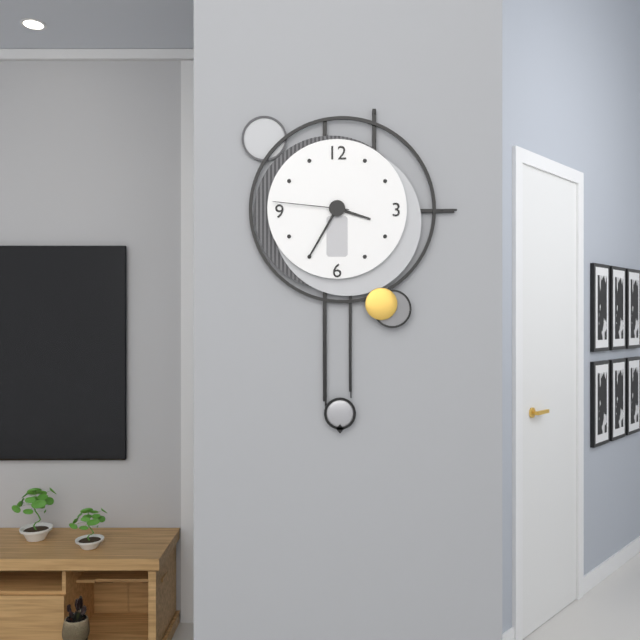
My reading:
3 h 35 min 46 s
